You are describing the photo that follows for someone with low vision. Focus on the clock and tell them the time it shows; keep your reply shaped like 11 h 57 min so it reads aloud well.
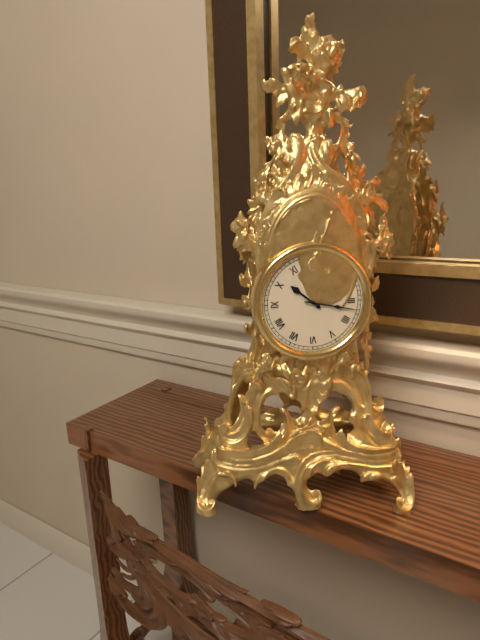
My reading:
10 h 17 min
